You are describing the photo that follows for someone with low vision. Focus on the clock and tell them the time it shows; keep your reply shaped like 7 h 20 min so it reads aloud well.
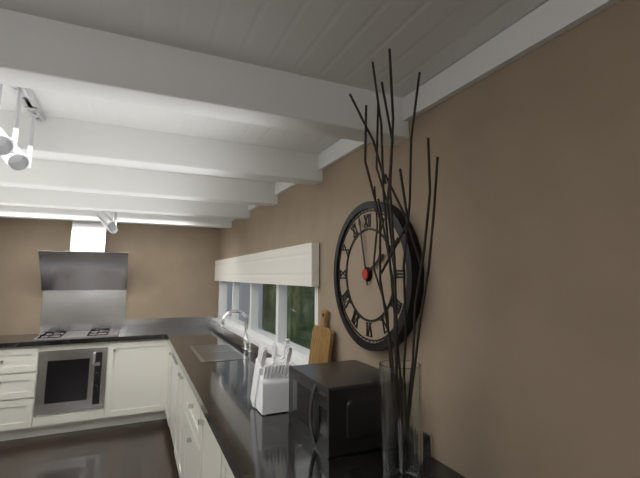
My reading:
1 h 58 min
